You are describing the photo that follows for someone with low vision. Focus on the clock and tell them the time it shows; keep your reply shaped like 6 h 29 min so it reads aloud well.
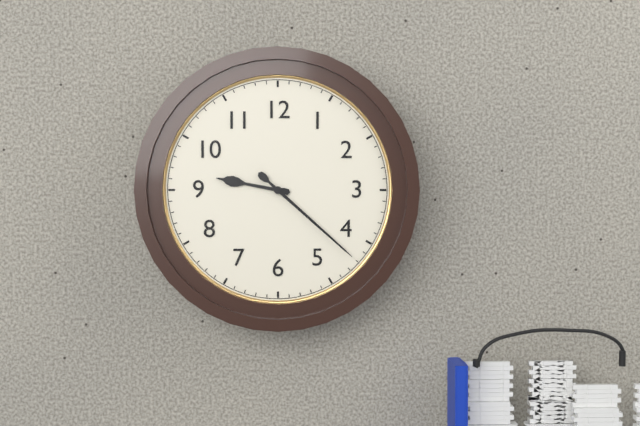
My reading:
9 h 22 min
